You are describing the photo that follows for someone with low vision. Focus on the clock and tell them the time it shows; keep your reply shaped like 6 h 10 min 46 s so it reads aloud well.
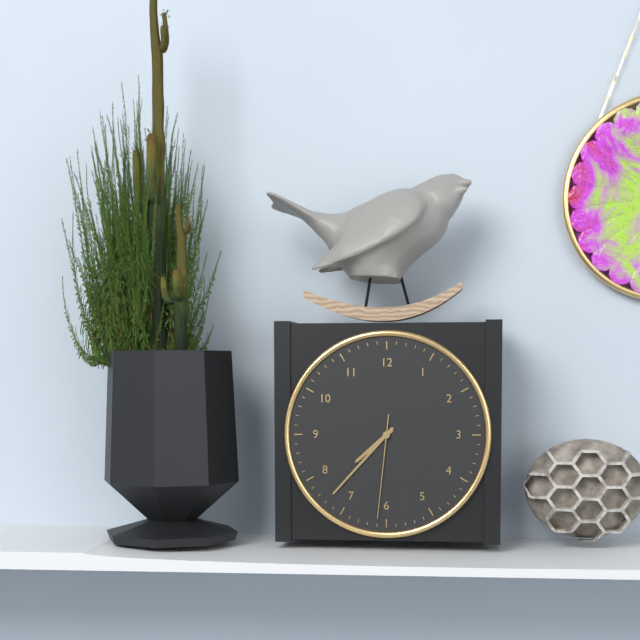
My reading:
7 h 37 min 31 s
